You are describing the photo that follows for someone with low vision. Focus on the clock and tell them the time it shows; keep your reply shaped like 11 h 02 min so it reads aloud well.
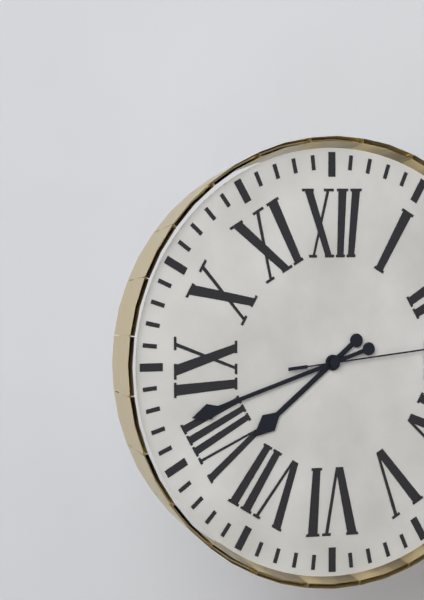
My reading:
7 h 42 min
